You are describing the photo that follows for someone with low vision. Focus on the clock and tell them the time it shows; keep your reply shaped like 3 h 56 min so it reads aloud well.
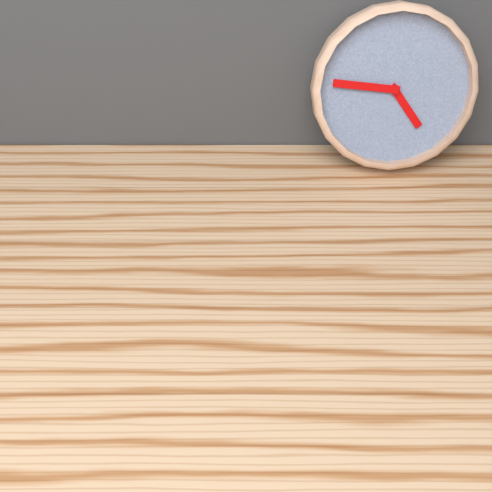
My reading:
4 h 46 min
